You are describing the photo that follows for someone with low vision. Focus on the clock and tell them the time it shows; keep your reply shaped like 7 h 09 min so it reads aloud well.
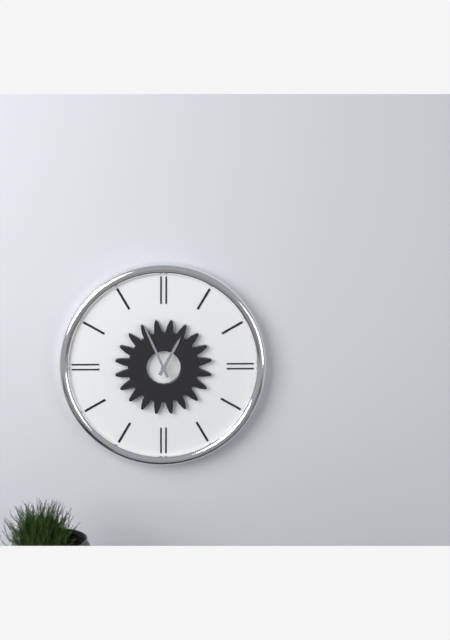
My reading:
12 h 56 min
